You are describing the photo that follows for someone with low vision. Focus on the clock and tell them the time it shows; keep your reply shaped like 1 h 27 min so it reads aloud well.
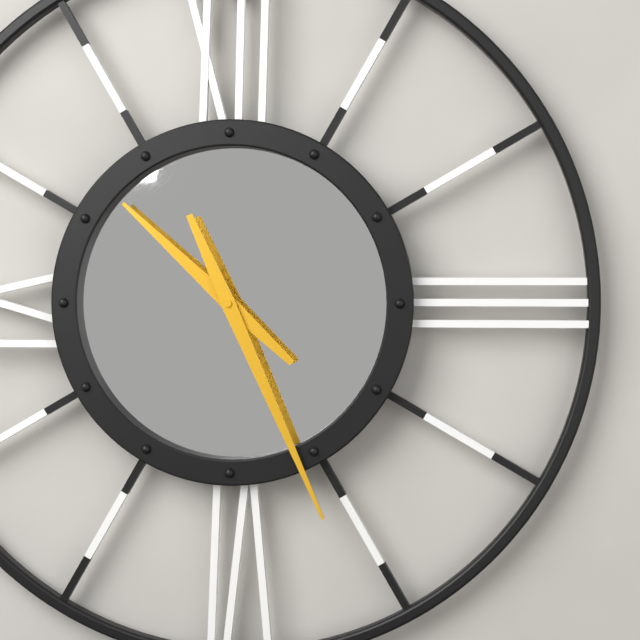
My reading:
10 h 26 min
